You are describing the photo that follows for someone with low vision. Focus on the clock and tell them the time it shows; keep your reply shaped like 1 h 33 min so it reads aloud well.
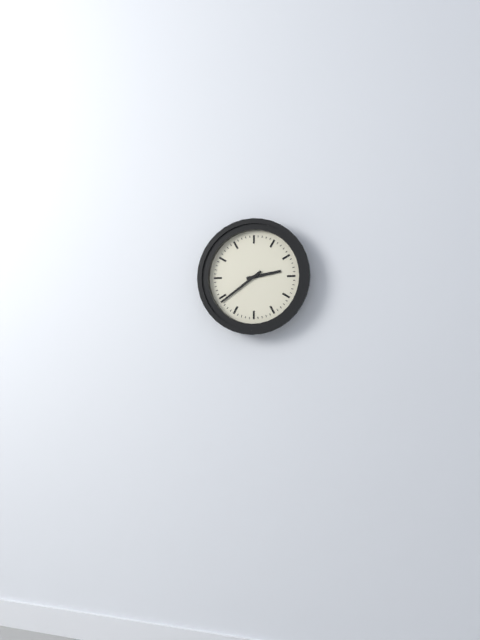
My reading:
2 h 39 min
